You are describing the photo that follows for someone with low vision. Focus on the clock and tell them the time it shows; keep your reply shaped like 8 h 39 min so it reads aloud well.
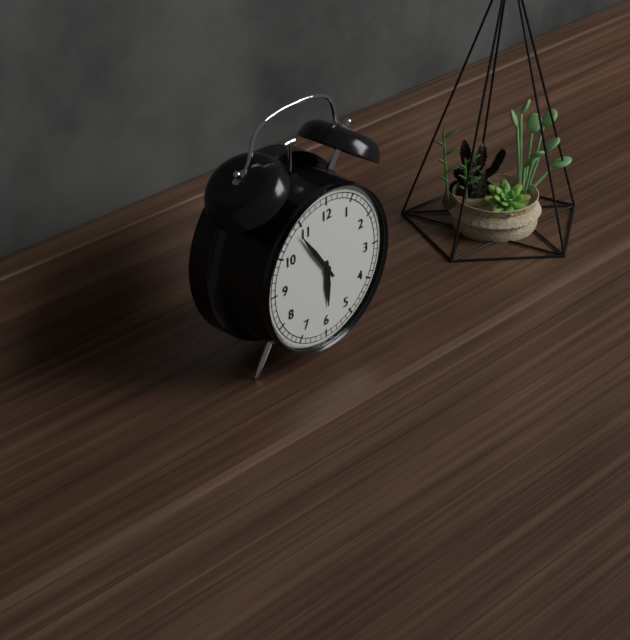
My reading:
5 h 54 min
